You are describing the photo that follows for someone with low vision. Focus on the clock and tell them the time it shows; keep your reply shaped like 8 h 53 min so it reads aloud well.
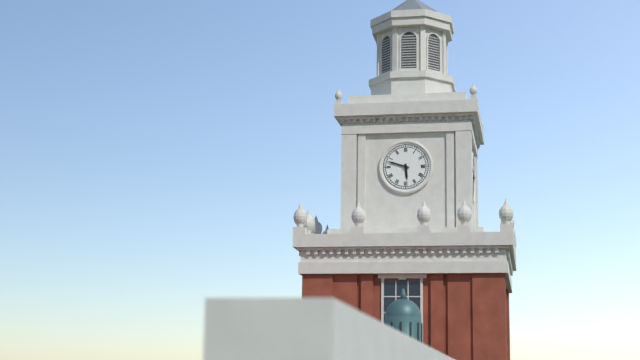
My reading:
5 h 48 min
